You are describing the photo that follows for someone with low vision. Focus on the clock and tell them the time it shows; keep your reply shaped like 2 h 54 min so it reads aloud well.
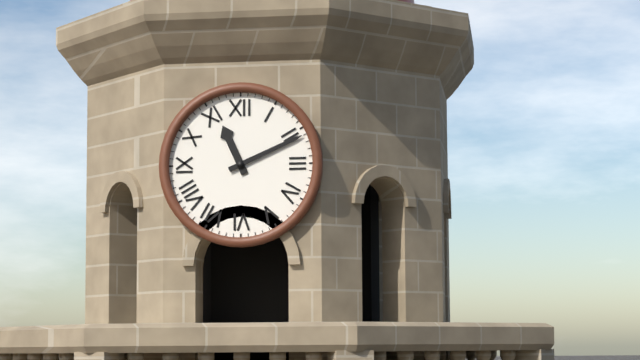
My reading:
11 h 11 min
